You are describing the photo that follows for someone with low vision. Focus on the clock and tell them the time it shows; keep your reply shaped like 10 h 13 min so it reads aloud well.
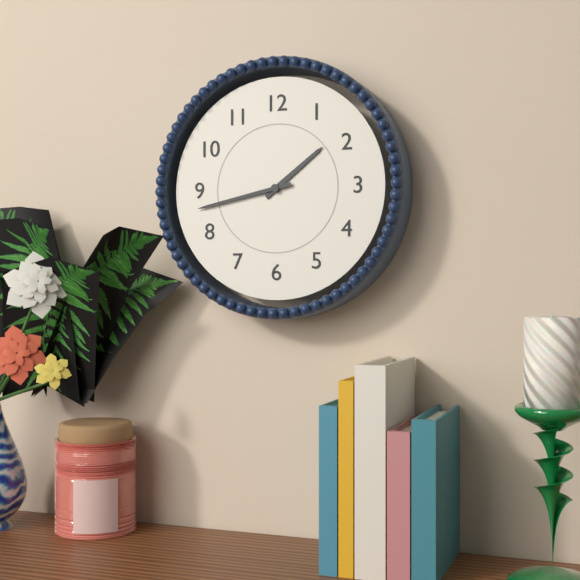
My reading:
1 h 43 min
